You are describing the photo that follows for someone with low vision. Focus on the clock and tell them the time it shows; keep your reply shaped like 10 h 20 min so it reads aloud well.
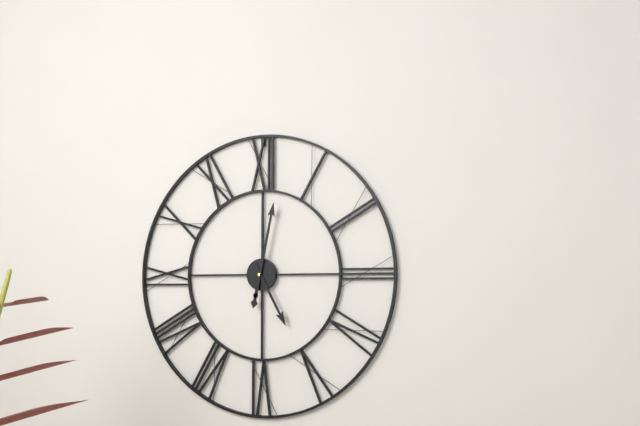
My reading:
5 h 02 min
